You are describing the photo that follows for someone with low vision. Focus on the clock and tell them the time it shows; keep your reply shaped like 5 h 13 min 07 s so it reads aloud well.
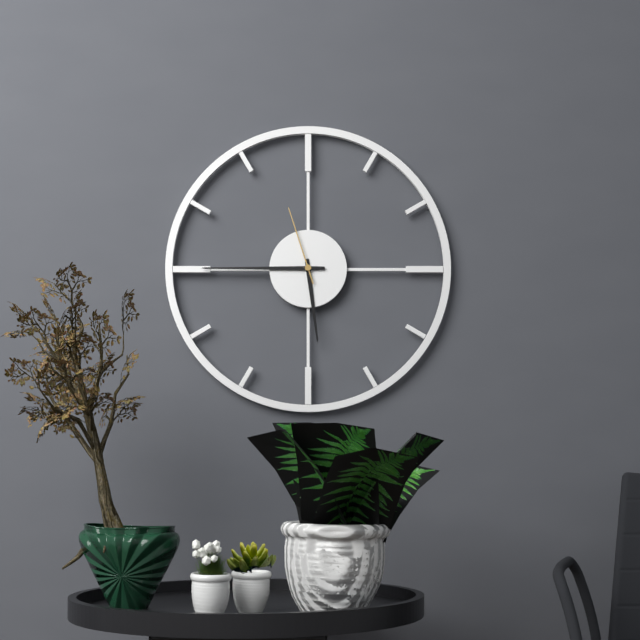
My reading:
5 h 45 min 57 s
